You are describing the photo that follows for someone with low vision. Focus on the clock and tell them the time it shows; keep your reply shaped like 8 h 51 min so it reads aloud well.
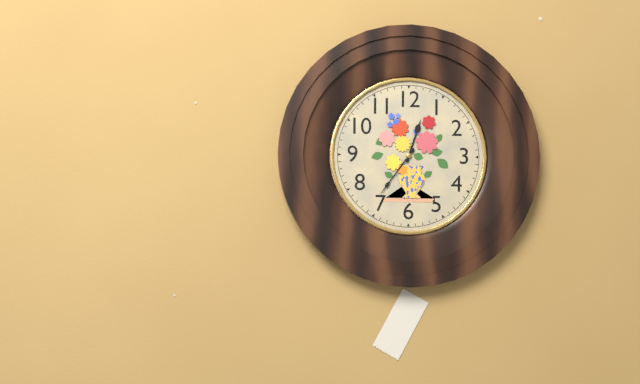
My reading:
12 h 36 min
